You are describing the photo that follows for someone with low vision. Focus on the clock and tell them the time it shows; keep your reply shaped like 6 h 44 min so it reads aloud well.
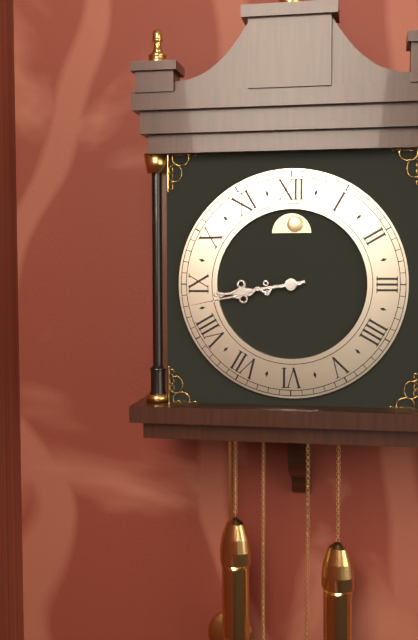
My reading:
8 h 43 min
